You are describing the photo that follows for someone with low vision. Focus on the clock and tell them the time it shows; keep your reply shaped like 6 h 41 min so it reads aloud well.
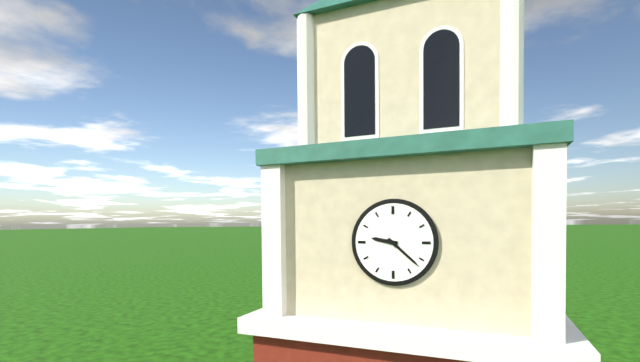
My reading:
9 h 22 min
